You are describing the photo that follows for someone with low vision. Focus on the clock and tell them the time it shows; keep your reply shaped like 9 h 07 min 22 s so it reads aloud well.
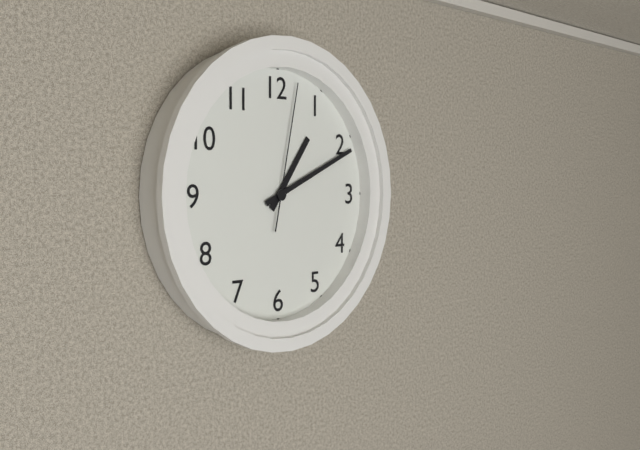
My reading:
1 h 11 min 02 s
